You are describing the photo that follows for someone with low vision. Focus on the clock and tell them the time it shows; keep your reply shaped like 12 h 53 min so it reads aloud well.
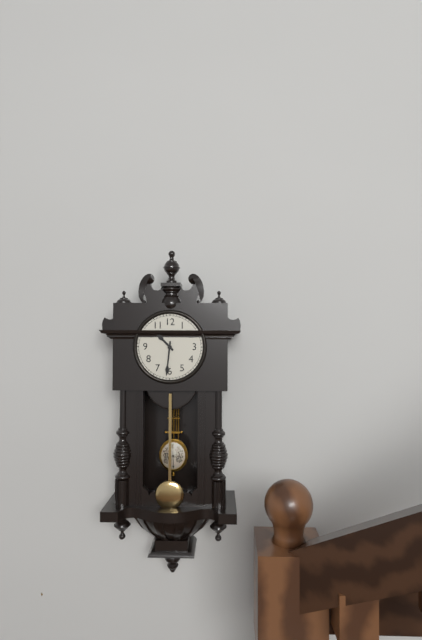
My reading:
10 h 31 min
